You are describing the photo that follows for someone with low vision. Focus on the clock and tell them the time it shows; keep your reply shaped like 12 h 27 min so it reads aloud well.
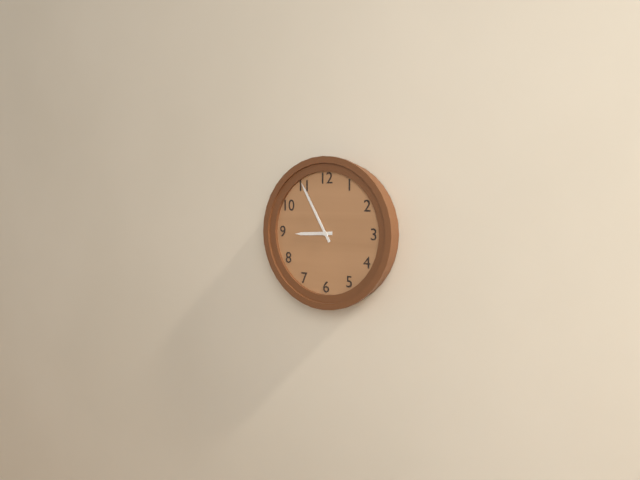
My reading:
8 h 55 min
